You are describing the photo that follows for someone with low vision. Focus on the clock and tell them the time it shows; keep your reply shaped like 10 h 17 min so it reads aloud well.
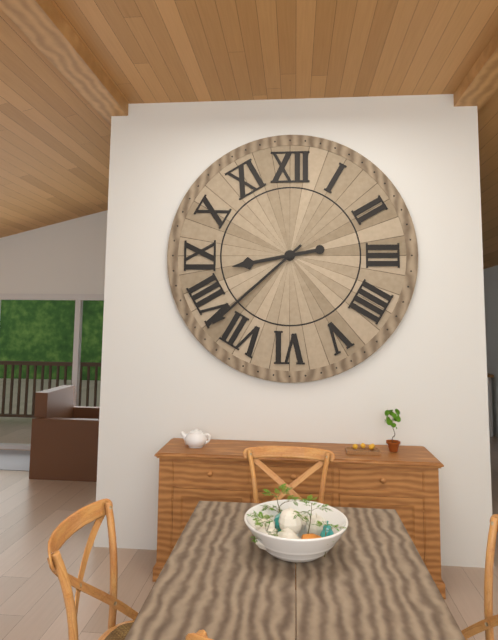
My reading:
8 h 38 min
